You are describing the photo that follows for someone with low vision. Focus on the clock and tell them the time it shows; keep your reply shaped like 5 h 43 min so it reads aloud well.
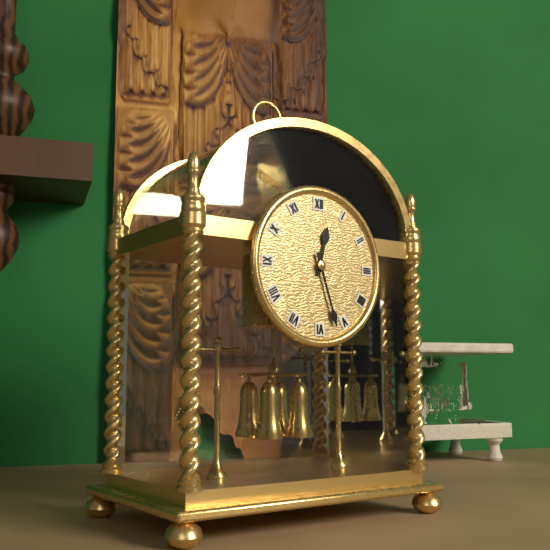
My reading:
12 h 27 min
